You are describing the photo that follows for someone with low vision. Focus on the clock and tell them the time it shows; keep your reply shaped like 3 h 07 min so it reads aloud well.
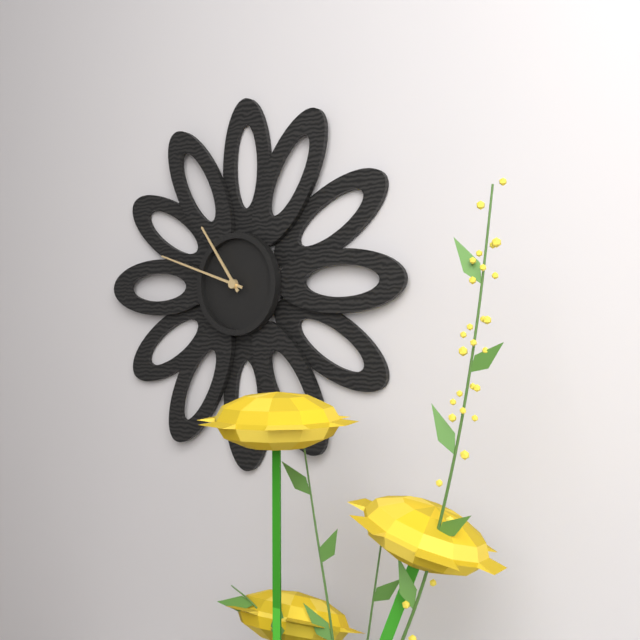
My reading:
10 h 48 min
